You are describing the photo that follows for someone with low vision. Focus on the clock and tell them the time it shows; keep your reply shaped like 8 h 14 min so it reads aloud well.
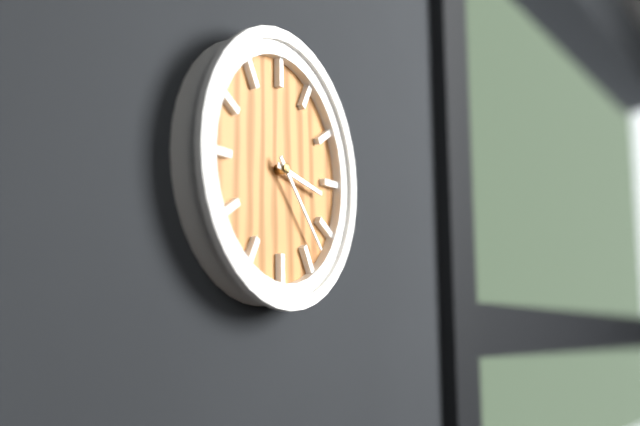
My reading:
3 h 23 min
